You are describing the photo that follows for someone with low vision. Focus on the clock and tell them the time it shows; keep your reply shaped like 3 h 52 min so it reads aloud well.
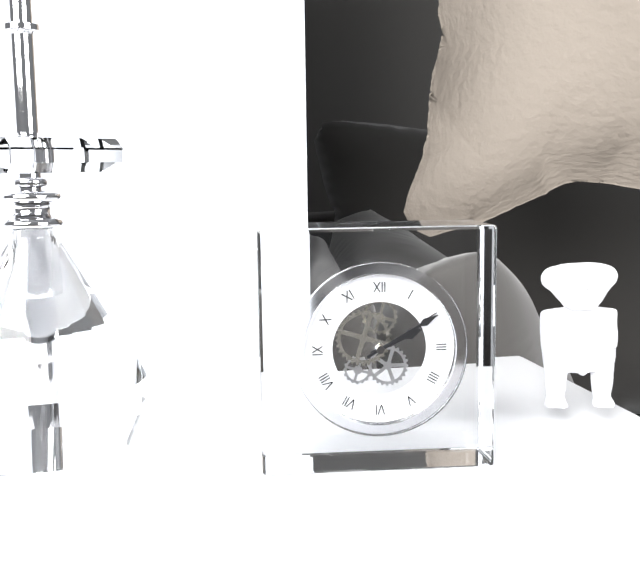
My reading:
2 h 10 min
